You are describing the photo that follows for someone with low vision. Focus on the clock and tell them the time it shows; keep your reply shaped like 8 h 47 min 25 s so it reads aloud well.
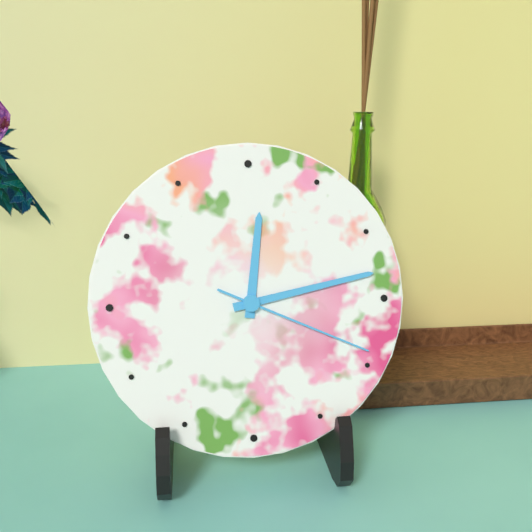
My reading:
12 h 13 min 19 s
